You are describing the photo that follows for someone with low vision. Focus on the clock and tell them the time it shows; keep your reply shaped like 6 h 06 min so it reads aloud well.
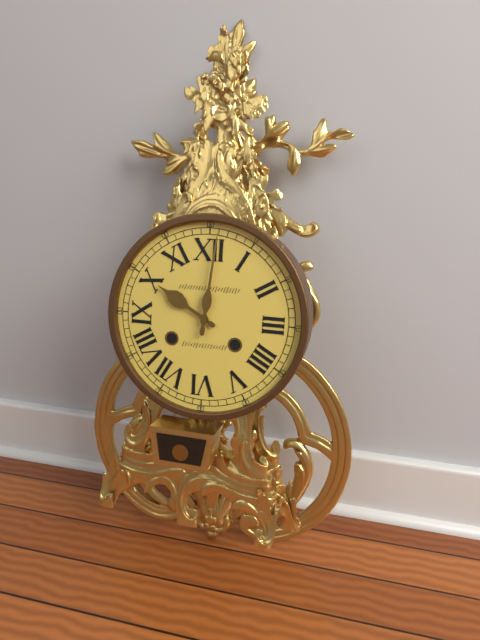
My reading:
10 h 01 min
